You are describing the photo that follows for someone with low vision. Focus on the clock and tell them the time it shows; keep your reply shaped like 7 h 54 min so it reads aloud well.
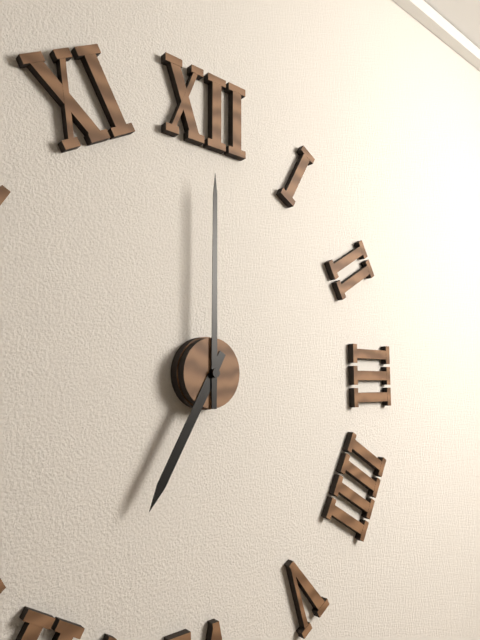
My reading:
7 h 00 min
